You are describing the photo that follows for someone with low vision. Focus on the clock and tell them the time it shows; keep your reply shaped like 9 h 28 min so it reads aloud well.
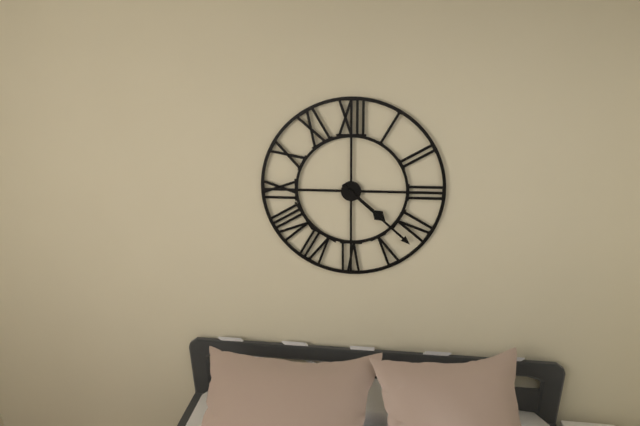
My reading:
4 h 22 min
